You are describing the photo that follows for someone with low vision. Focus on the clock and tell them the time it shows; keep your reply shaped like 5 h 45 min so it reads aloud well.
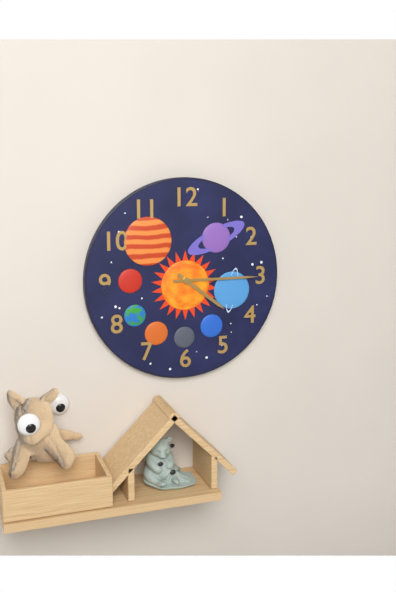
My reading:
4 h 15 min
